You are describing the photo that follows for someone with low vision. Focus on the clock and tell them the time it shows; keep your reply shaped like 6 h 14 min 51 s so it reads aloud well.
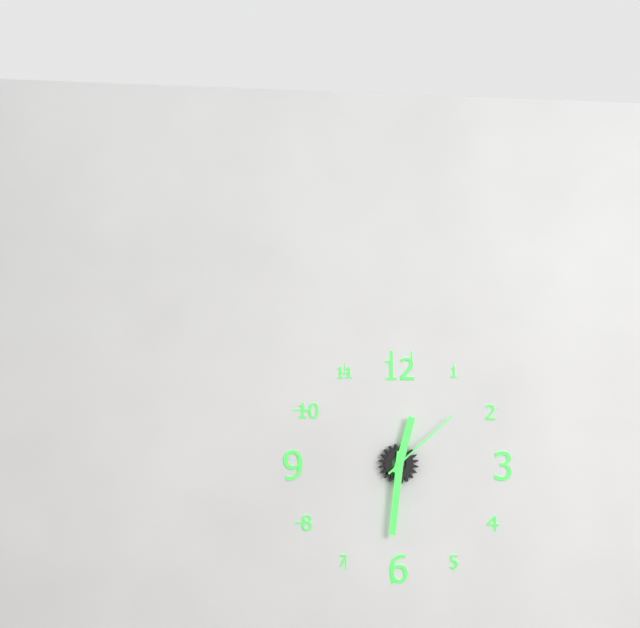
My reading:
12 h 31 min 08 s
